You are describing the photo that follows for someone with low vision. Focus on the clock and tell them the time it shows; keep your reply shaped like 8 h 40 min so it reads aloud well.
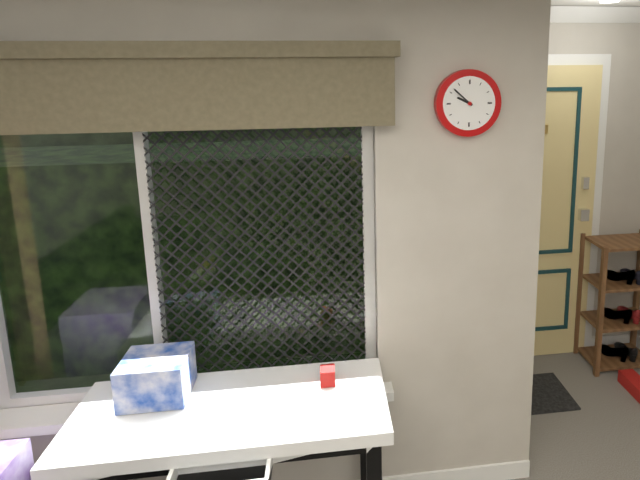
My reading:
9 h 52 min
